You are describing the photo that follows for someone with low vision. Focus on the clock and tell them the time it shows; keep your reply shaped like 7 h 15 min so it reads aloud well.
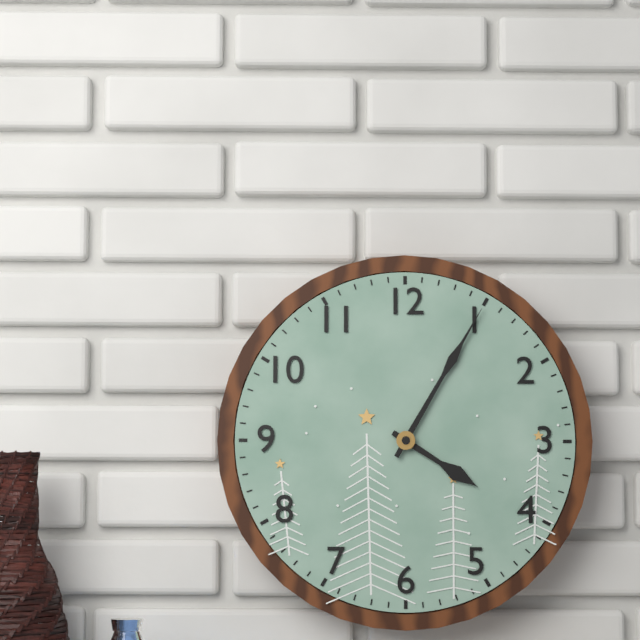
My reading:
4 h 05 min
